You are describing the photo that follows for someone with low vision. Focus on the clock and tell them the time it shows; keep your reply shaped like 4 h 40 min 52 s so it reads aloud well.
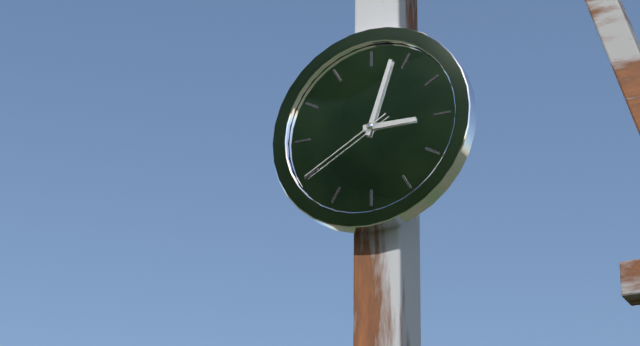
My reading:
3 h 03 min 40 s
